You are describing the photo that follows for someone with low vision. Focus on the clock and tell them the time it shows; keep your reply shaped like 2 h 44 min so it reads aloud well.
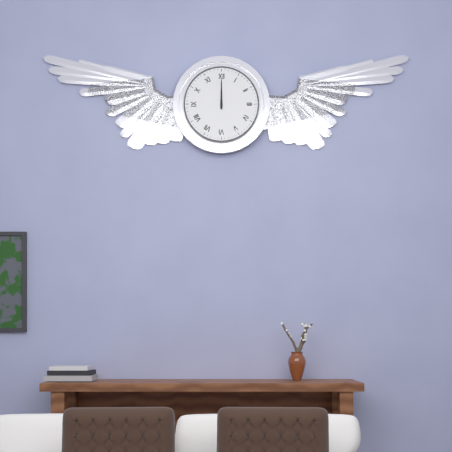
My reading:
12 h 00 min
